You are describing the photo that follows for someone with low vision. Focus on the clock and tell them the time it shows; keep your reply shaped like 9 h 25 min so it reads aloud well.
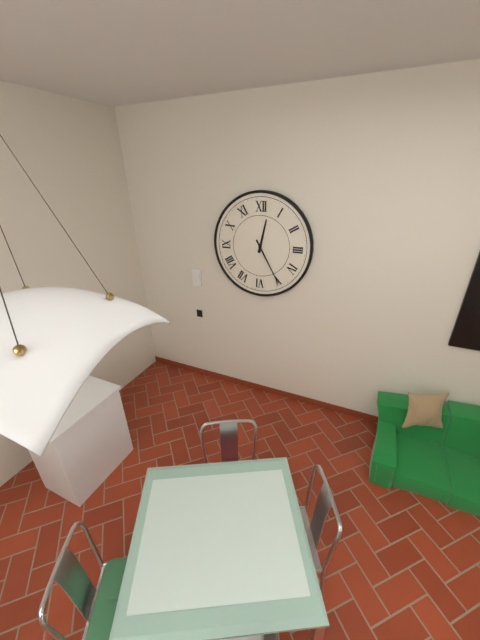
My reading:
12 h 25 min
